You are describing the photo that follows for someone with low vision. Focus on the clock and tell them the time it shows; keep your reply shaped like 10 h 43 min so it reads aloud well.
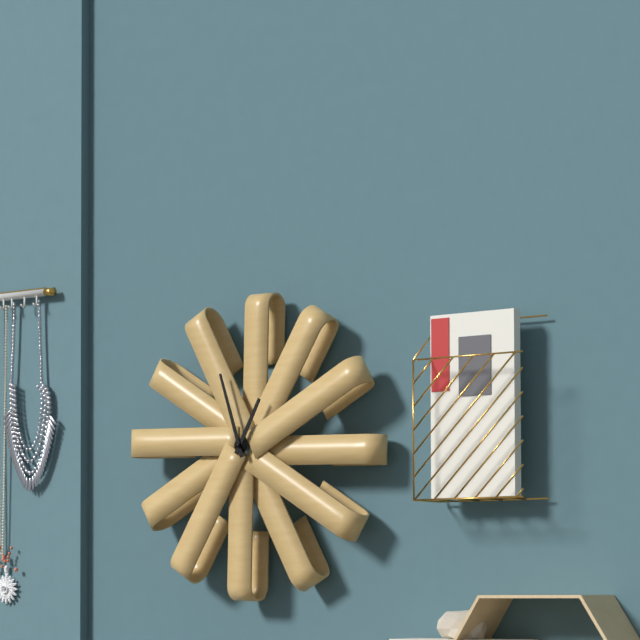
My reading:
12 h 57 min
